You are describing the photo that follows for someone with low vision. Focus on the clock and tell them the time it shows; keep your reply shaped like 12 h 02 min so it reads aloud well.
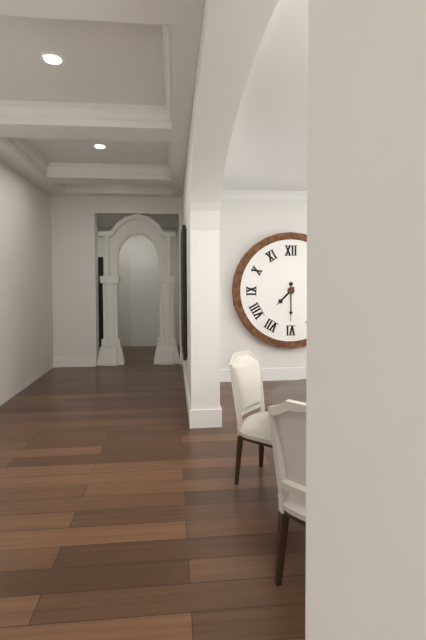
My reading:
7 h 30 min
